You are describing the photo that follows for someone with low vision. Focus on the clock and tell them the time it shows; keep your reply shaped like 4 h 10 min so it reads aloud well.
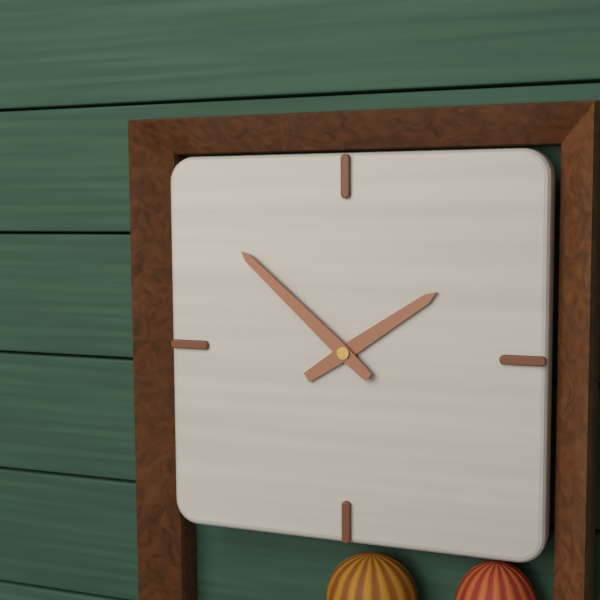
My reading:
1 h 52 min
